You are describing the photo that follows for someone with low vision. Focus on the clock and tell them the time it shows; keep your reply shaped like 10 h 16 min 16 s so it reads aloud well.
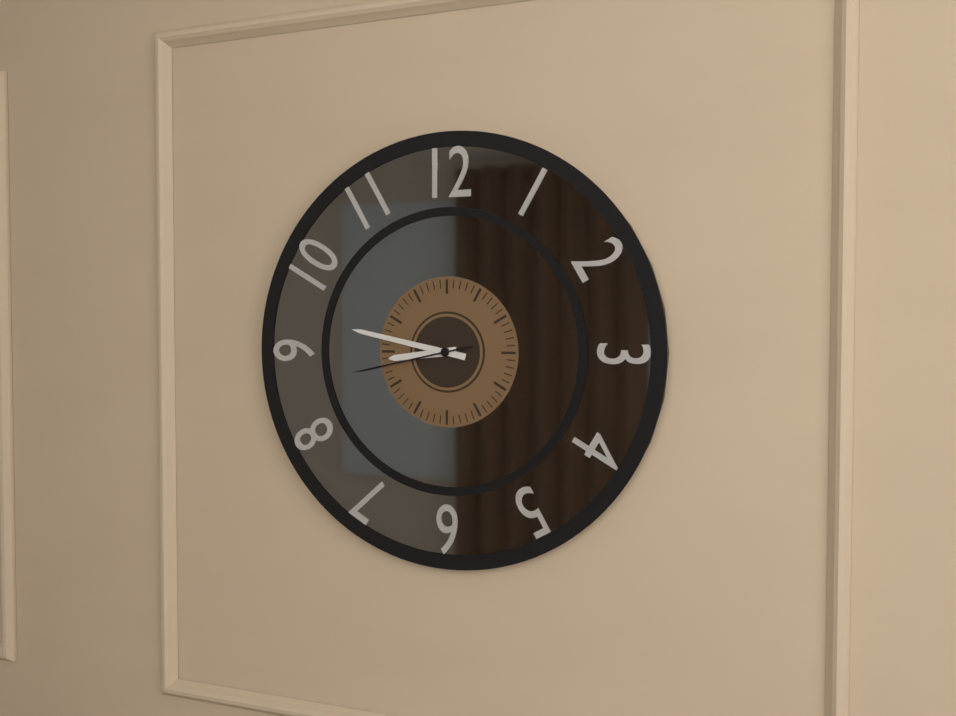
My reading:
8 h 47 min 43 s
